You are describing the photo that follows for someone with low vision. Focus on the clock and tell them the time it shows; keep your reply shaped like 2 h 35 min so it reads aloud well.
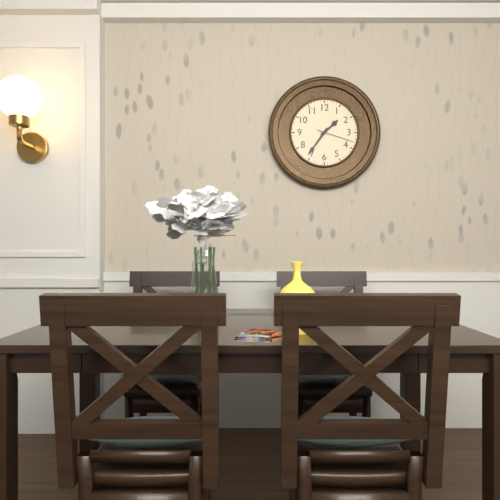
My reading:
1 h 36 min
